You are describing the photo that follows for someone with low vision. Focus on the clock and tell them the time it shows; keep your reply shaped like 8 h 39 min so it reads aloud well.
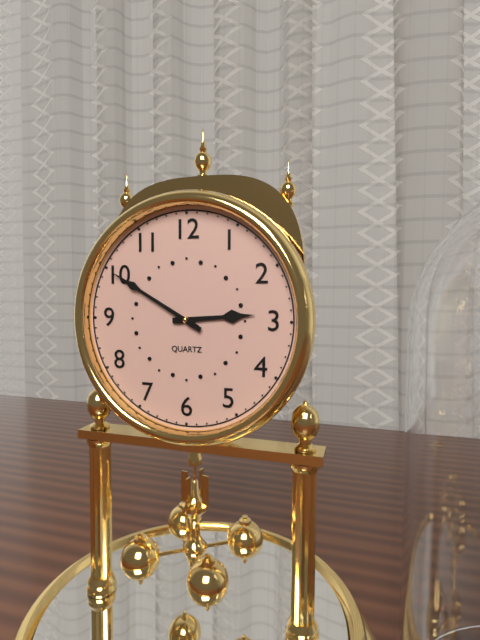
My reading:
2 h 50 min
